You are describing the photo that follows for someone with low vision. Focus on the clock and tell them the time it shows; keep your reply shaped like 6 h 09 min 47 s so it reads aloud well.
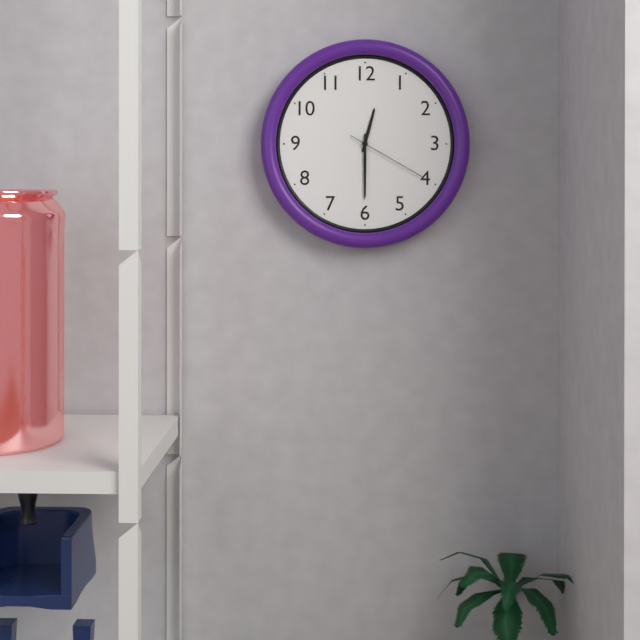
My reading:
12 h 30 min 20 s
